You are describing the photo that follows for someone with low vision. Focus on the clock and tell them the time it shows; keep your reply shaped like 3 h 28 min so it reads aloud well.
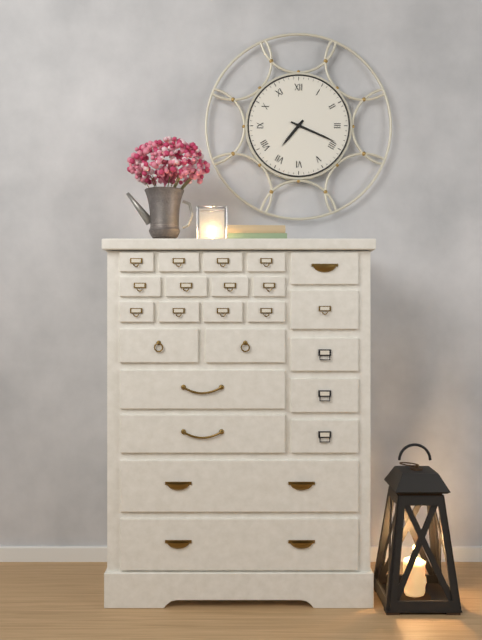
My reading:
7 h 19 min
